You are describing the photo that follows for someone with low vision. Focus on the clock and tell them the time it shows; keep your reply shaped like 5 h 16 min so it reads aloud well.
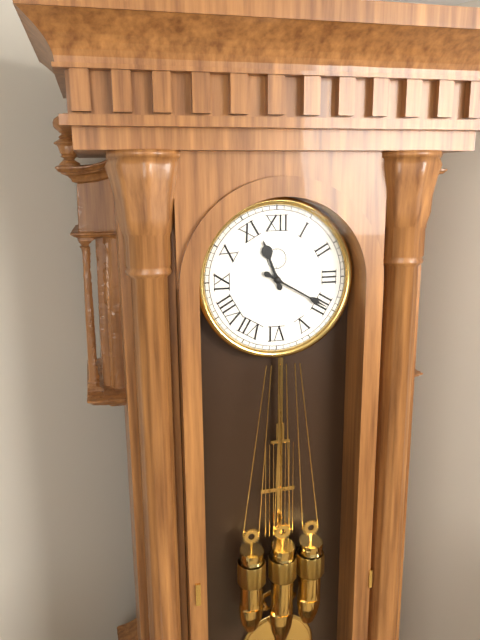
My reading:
11 h 20 min
